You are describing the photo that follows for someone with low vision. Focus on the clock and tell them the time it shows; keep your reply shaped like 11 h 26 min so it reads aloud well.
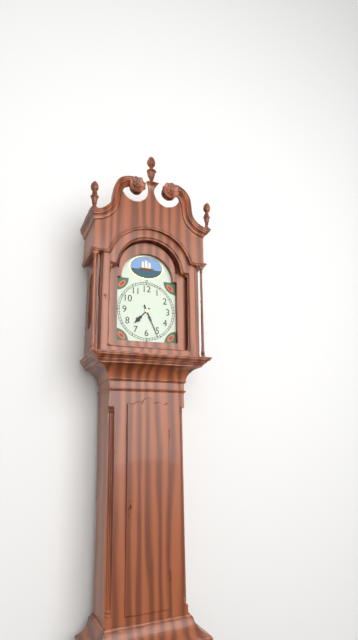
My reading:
7 h 26 min
